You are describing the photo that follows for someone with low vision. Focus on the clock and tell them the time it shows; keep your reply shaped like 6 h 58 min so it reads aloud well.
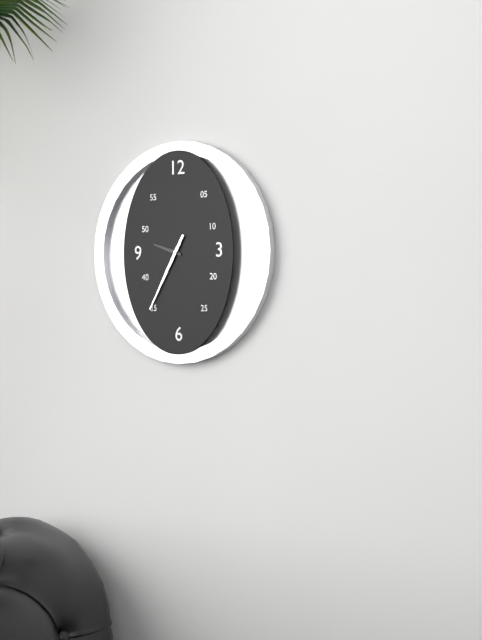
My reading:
9 h 35 min
